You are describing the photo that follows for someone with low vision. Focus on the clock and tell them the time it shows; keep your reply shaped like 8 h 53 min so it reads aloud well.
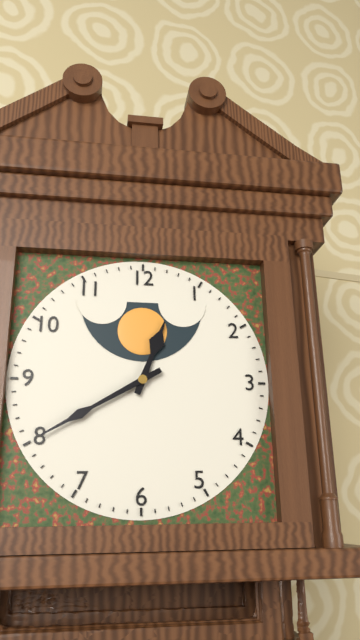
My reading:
12 h 40 min
